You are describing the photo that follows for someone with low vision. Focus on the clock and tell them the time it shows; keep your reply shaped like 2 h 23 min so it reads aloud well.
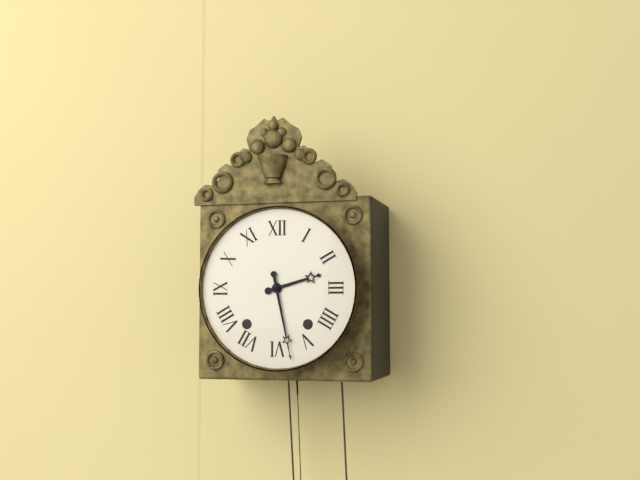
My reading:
2 h 28 min
